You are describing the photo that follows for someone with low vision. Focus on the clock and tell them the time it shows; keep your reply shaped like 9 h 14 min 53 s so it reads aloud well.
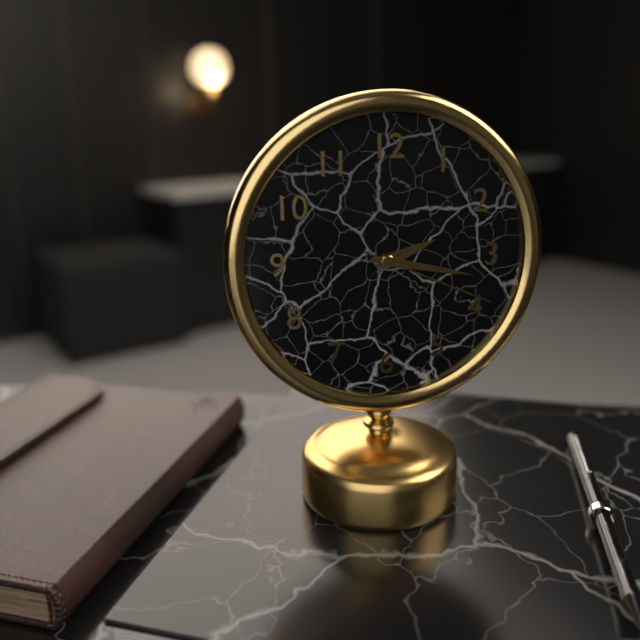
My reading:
2 h 17 min 19 s
